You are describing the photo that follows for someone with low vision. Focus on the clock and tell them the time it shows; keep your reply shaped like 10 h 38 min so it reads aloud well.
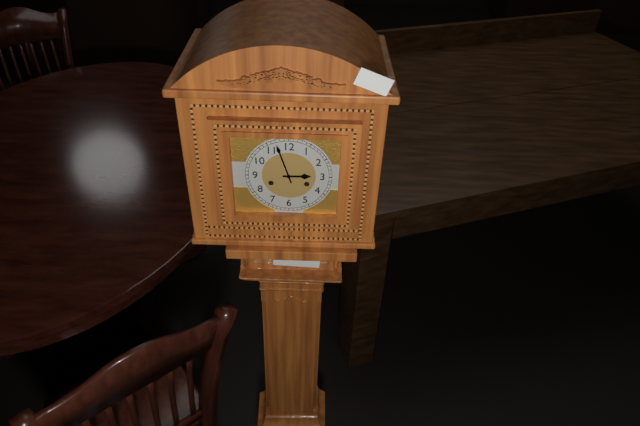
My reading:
2 h 57 min
